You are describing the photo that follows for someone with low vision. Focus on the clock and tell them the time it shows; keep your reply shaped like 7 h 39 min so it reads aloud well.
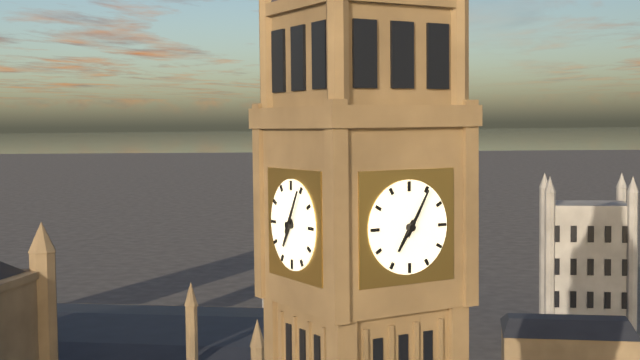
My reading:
7 h 05 min
